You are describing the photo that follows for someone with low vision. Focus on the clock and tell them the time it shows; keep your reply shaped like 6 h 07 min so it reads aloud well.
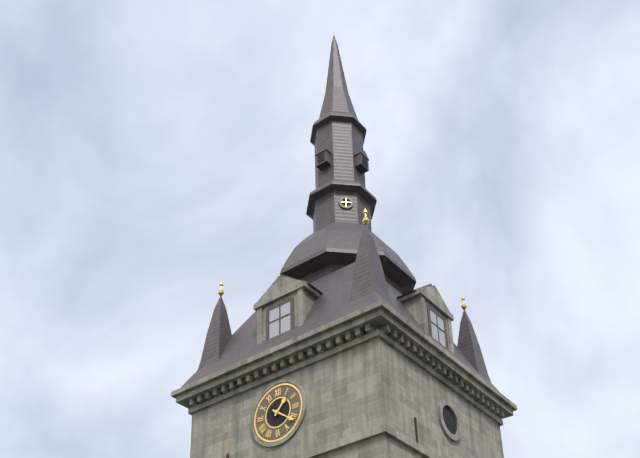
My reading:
1 h 21 min
